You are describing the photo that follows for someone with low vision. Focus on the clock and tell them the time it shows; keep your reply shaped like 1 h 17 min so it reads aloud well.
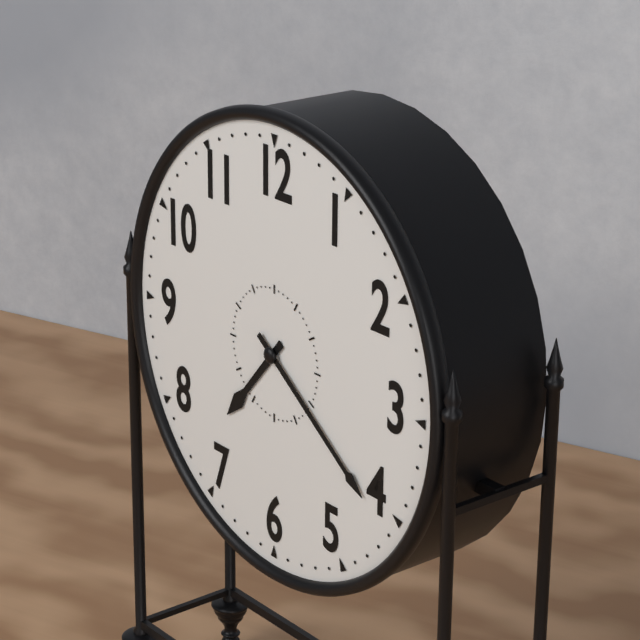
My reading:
7 h 21 min
